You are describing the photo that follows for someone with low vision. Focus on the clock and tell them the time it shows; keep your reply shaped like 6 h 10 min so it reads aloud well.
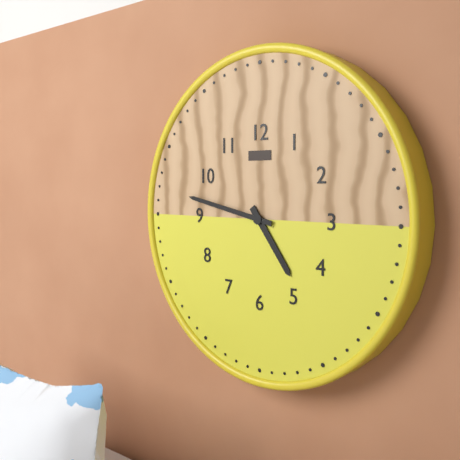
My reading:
4 h 47 min
